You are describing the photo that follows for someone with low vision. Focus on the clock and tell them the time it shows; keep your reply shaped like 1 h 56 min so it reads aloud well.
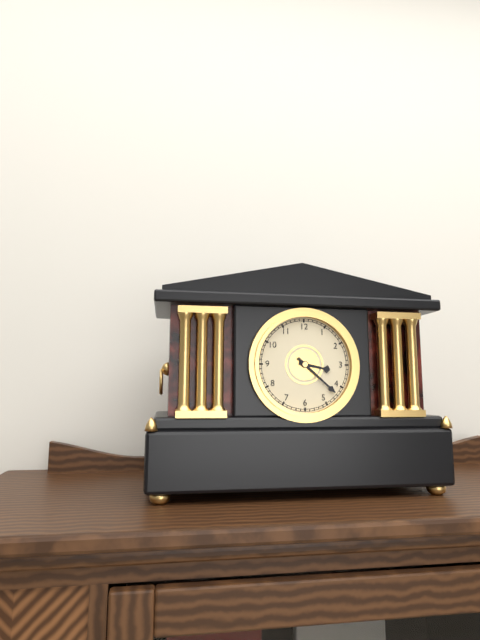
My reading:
3 h 22 min
